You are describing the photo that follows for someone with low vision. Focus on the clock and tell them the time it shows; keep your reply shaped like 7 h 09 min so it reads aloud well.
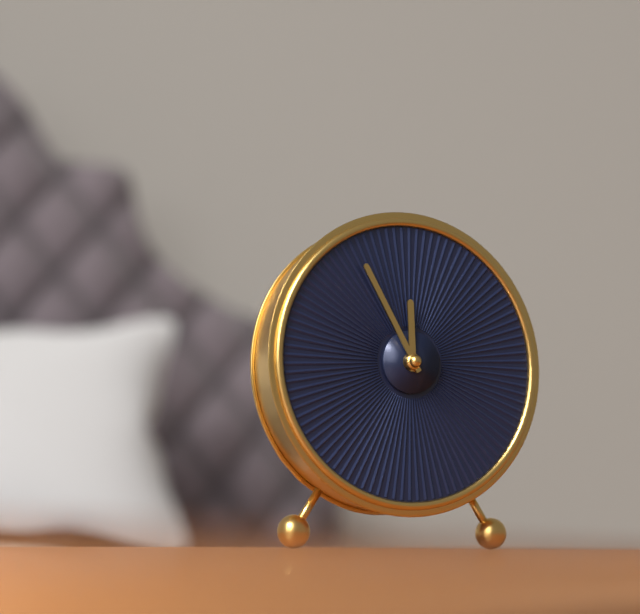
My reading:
11 h 55 min
